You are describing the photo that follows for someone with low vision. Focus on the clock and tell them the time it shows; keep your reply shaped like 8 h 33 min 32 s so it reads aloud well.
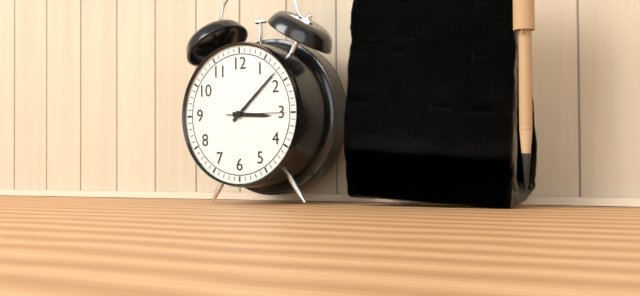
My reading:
3 h 08 min 15 s
